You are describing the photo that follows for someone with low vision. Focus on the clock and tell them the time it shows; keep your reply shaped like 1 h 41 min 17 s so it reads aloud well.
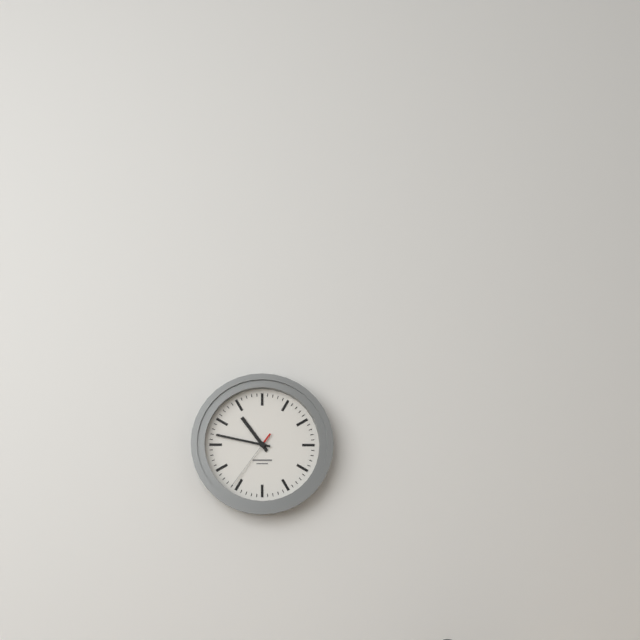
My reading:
10 h 47 min 36 s
